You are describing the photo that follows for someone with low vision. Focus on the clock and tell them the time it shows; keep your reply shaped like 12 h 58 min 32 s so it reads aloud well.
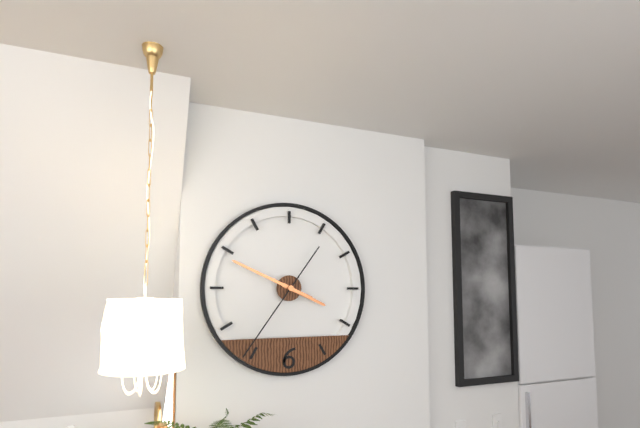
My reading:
3 h 49 min 36 s
